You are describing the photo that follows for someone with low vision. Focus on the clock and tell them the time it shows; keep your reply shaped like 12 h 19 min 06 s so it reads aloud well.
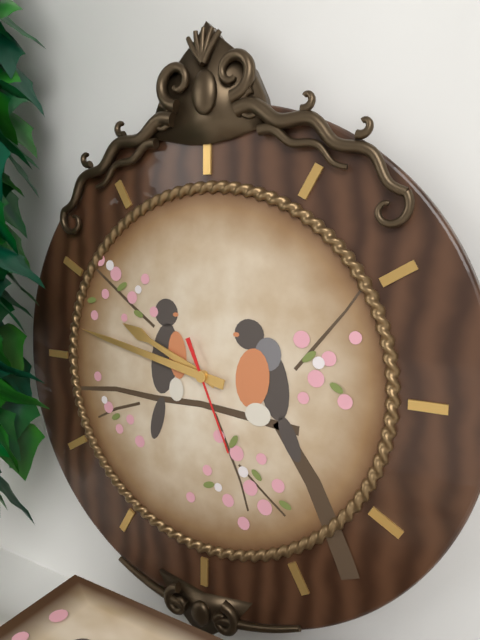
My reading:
9 h 47 min 26 s
